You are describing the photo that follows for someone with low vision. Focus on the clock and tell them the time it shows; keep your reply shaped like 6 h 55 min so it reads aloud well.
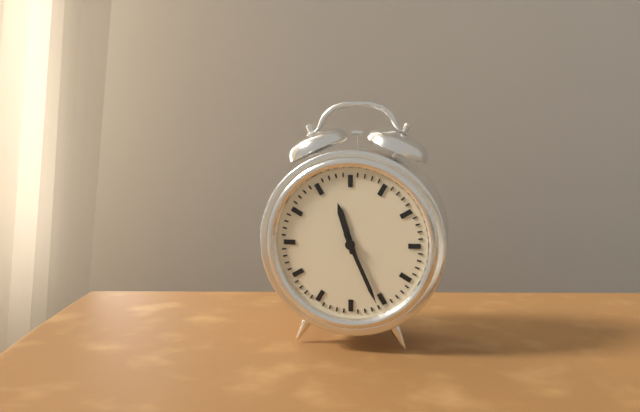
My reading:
11 h 26 min
